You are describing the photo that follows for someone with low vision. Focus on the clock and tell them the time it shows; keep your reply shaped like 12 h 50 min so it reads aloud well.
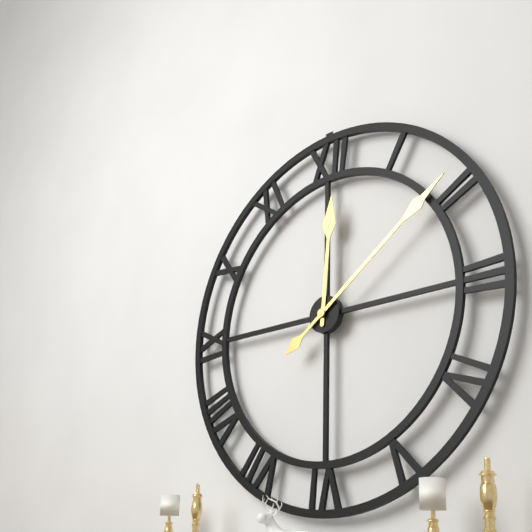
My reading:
12 h 09 min
